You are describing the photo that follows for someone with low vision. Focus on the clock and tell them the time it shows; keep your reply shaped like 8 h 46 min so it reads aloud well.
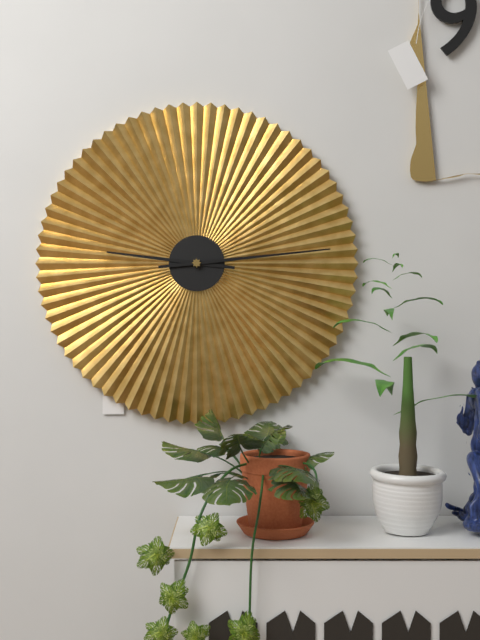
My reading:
9 h 14 min
